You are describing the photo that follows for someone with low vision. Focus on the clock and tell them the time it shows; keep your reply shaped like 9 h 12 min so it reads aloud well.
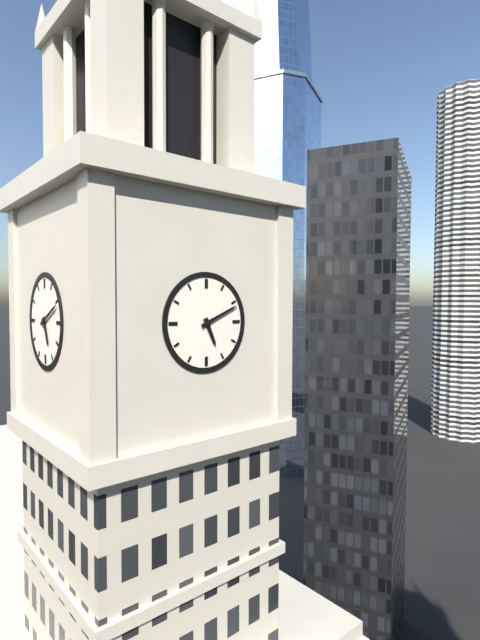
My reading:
5 h 11 min
